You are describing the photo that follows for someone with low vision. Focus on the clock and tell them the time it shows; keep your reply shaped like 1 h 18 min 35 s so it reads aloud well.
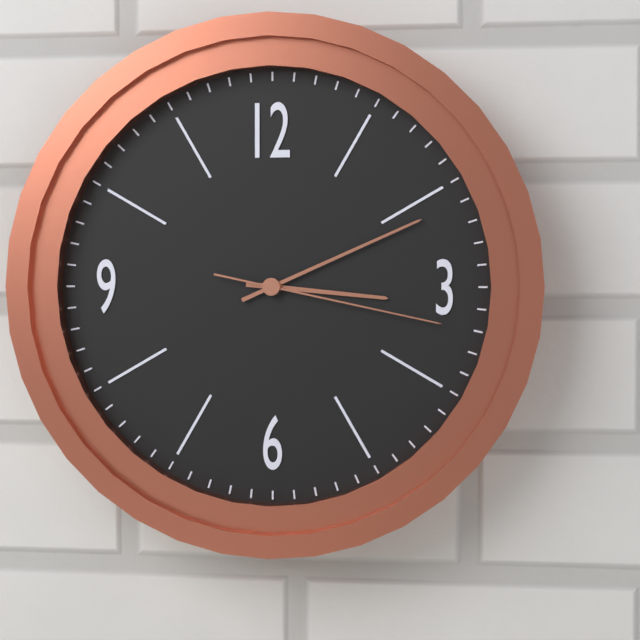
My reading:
3 h 11 min 17 s
